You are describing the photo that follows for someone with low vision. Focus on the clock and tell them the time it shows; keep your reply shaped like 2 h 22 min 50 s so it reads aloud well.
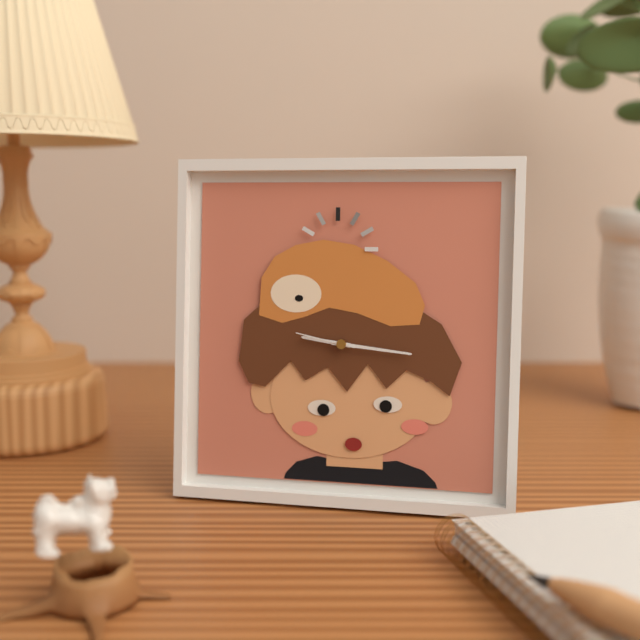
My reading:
9 h 16 min 47 s
